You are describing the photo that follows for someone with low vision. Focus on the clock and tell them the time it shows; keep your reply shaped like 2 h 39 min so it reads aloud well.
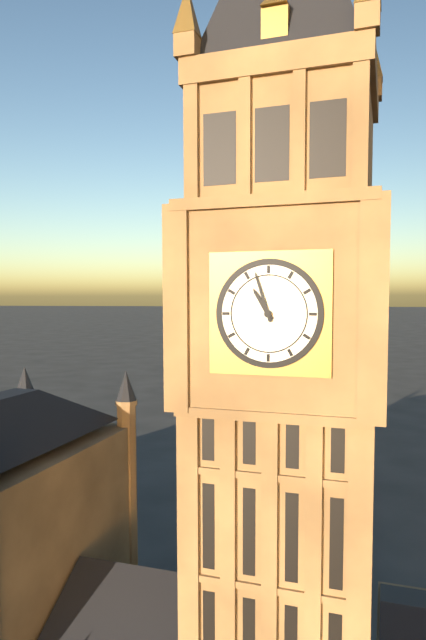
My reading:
10 h 57 min
